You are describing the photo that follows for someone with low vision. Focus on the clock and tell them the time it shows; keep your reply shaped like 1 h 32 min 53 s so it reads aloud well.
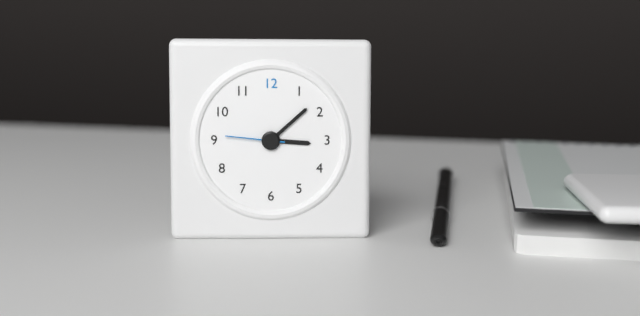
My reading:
3 h 08 min 46 s
